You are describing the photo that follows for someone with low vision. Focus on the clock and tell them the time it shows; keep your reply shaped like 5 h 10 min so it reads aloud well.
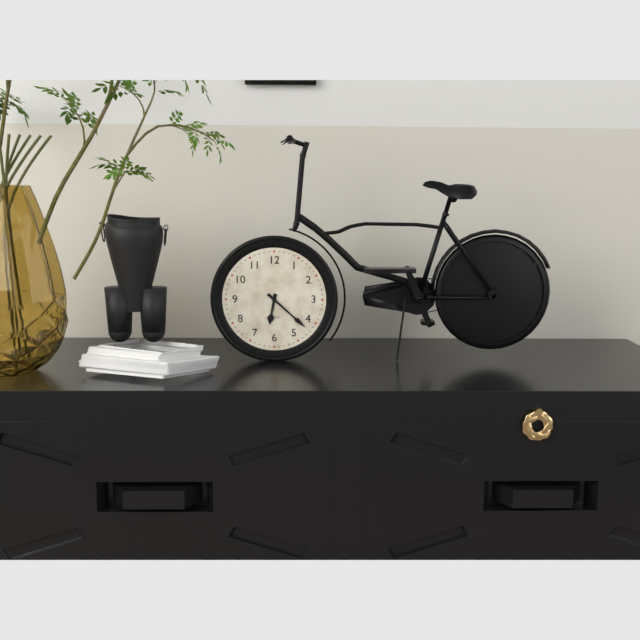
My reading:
6 h 22 min
